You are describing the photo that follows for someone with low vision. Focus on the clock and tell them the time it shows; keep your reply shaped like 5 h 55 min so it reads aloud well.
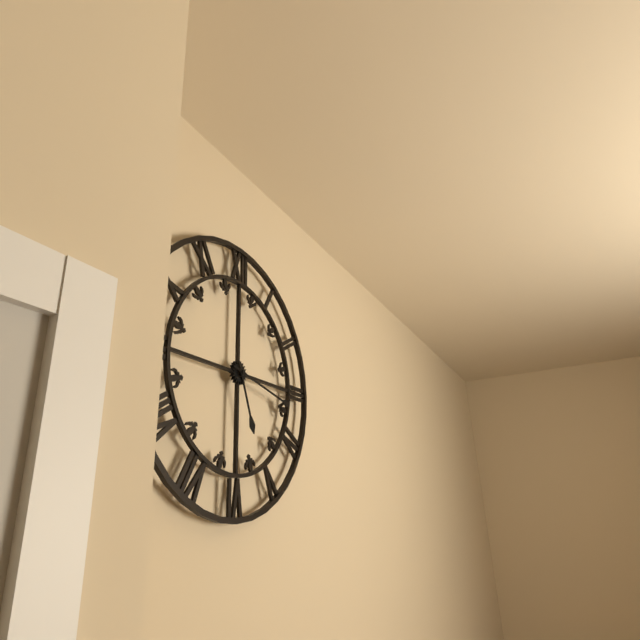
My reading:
5 h 17 min
